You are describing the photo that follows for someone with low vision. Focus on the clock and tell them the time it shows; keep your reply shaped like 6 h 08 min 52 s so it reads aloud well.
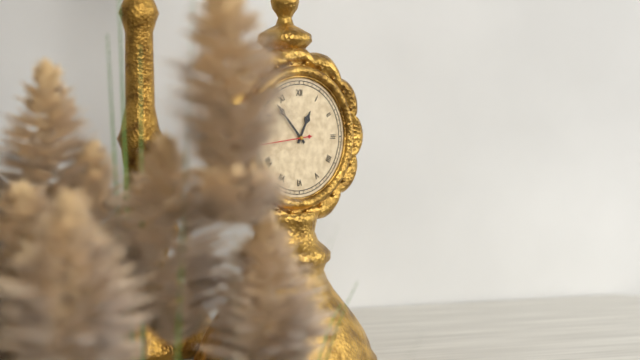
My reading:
12 h 53 min 44 s
